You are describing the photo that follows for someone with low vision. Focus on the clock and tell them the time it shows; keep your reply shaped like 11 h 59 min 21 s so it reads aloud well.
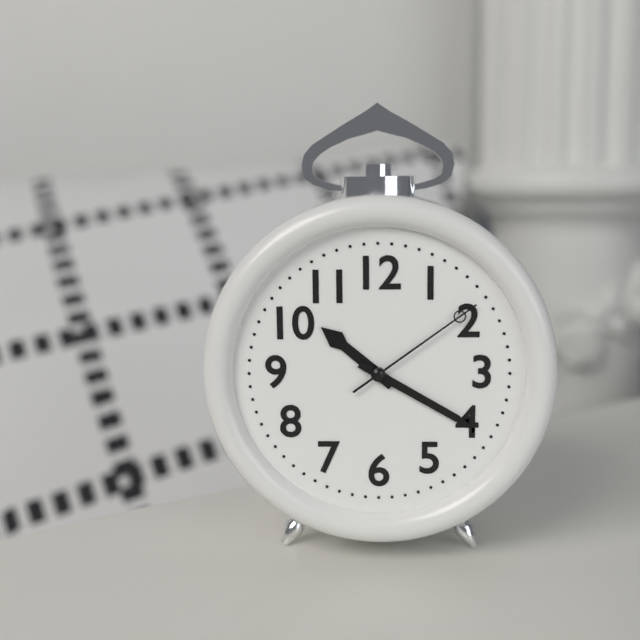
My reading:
10 h 20 min 09 s
